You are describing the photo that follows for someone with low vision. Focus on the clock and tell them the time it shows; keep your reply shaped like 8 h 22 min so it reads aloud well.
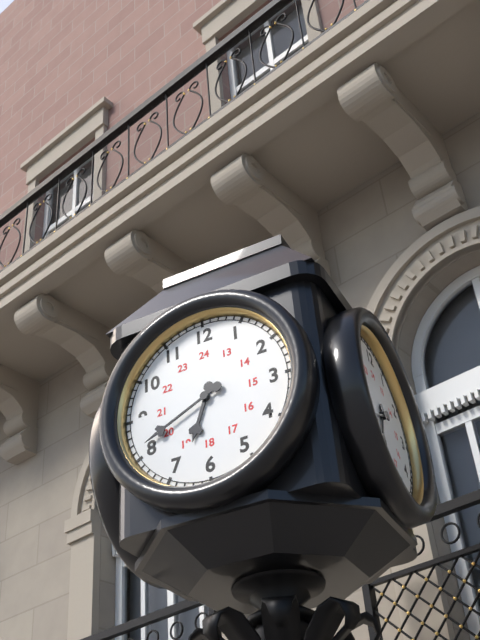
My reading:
6 h 41 min
